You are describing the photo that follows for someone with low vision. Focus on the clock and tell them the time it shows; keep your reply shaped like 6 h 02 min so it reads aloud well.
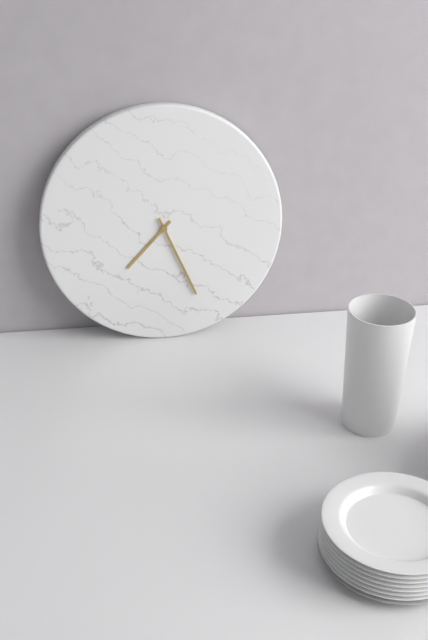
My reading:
7 h 26 min
